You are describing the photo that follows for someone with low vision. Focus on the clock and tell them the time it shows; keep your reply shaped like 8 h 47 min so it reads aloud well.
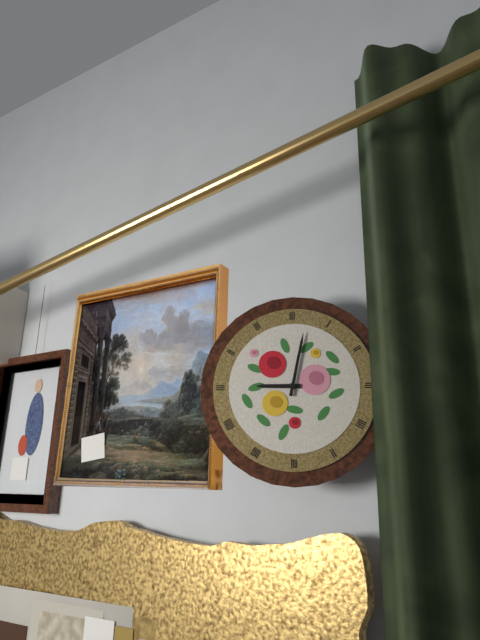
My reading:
9 h 02 min
